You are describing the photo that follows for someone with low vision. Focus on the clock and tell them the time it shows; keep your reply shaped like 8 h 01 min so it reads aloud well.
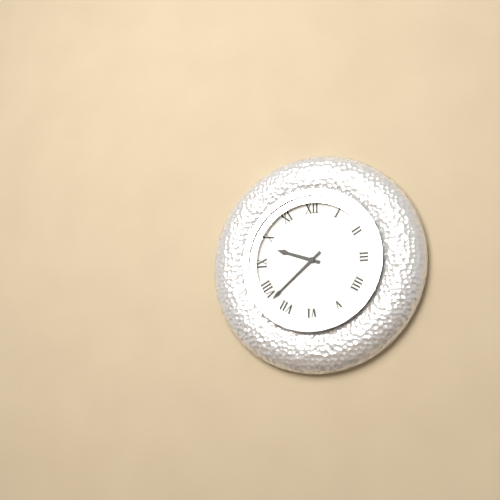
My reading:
9 h 38 min
